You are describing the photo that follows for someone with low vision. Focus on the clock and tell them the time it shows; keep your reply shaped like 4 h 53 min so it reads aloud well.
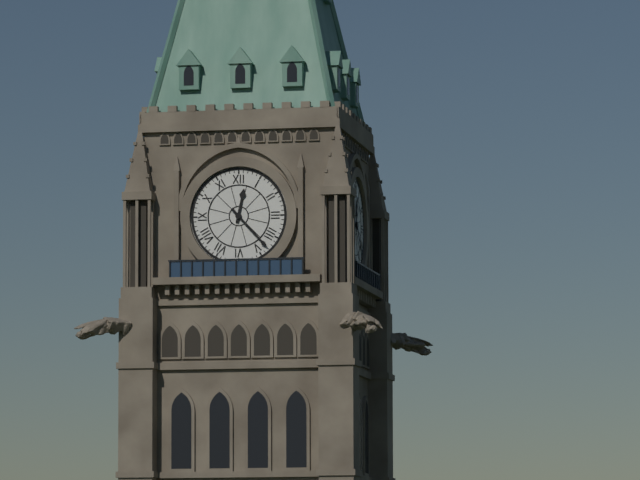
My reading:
12 h 23 min
